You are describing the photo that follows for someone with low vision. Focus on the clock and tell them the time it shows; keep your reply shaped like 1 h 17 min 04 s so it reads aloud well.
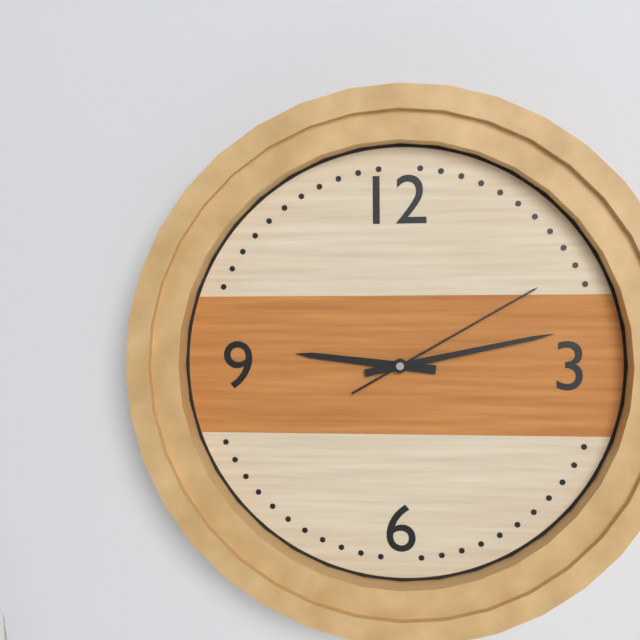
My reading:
9 h 13 min 10 s
